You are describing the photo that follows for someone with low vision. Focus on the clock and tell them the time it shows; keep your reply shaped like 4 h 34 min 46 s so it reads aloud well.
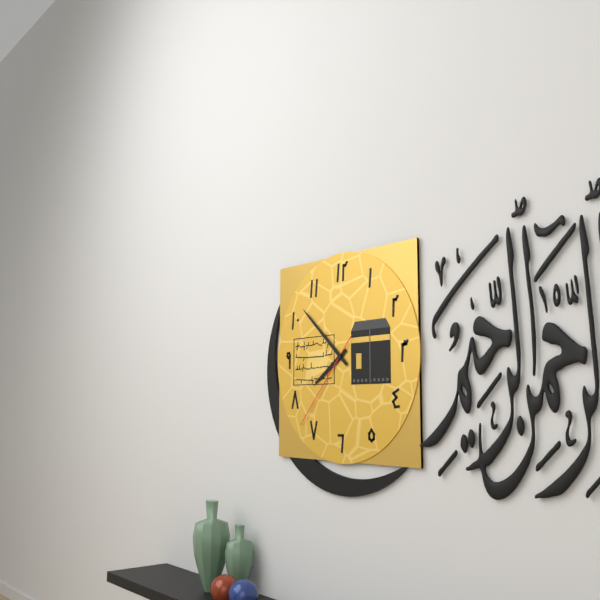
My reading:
7 h 52 min 37 s
